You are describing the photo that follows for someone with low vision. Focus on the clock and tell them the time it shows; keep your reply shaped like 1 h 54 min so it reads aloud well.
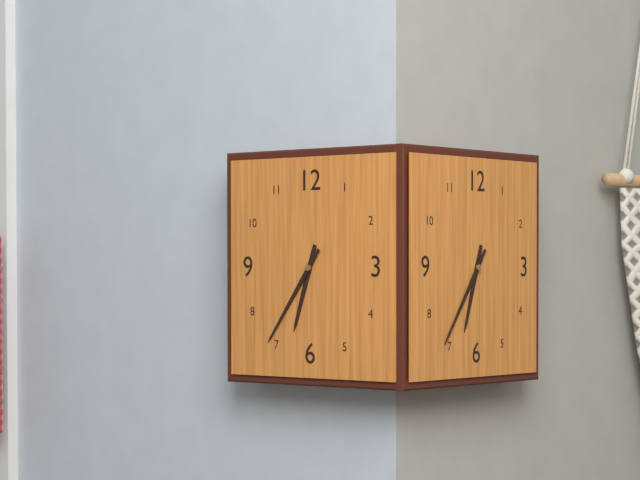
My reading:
6 h 36 min
